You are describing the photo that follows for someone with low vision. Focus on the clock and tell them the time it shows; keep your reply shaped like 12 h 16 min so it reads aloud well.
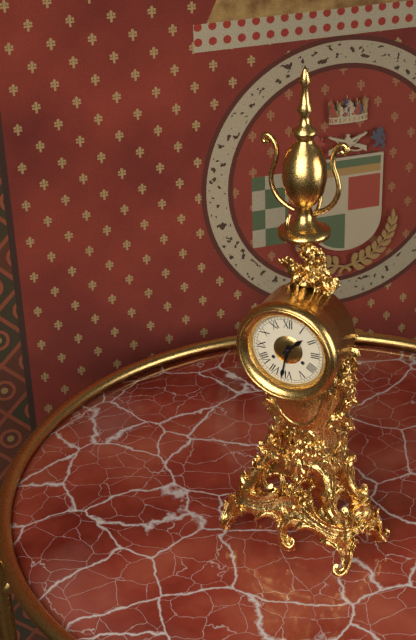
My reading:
1 h 32 min
